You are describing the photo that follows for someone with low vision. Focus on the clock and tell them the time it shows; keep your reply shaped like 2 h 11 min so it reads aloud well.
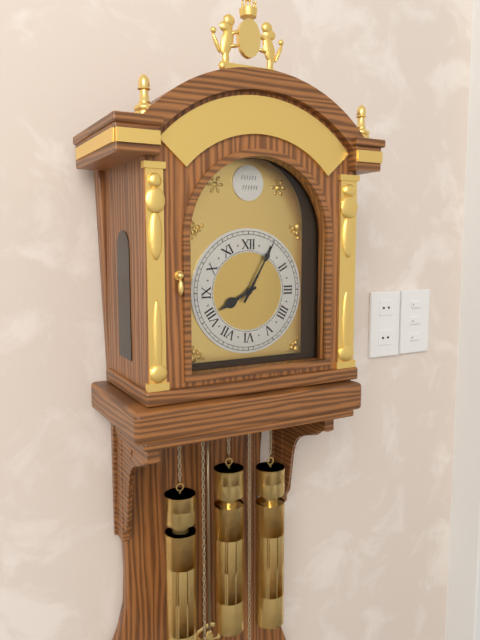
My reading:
8 h 05 min
